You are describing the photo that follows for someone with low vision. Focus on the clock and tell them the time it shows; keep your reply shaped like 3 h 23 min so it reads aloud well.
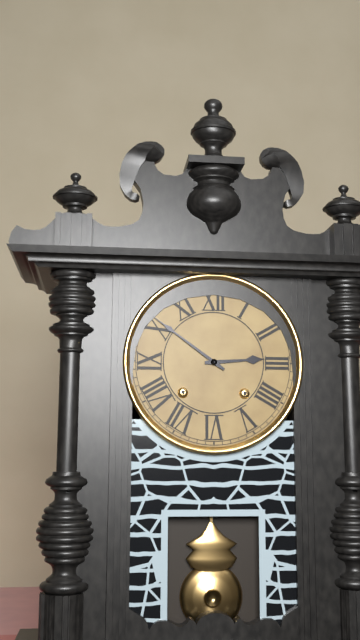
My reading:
2 h 51 min
